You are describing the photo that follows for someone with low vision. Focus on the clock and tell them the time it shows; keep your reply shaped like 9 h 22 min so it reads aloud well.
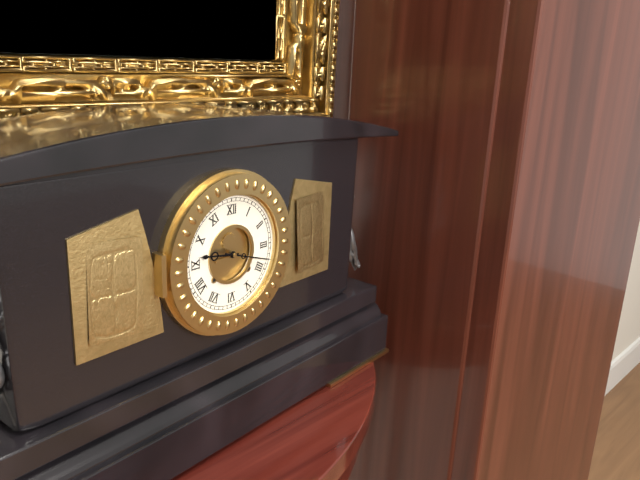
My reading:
9 h 18 min
